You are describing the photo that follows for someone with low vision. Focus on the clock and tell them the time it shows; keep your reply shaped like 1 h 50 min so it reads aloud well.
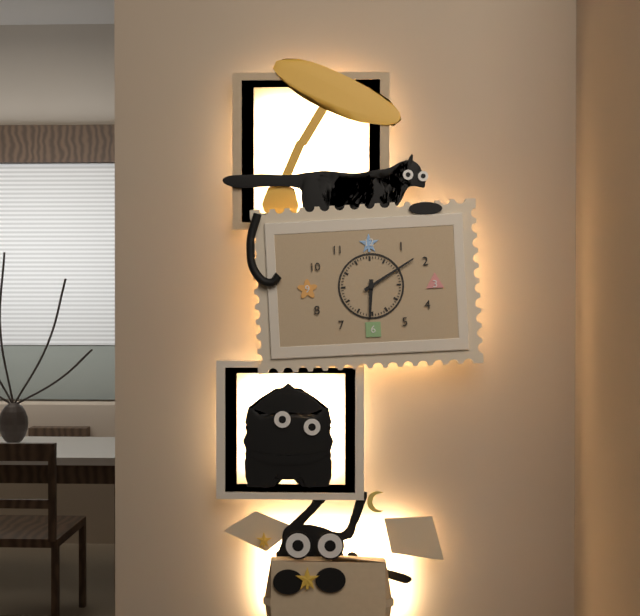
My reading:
6 h 10 min
